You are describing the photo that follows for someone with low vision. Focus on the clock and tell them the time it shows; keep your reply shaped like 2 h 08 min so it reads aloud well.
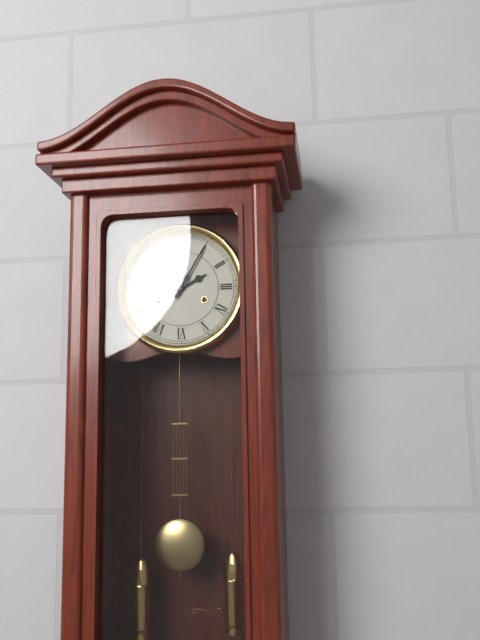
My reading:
2 h 05 min
